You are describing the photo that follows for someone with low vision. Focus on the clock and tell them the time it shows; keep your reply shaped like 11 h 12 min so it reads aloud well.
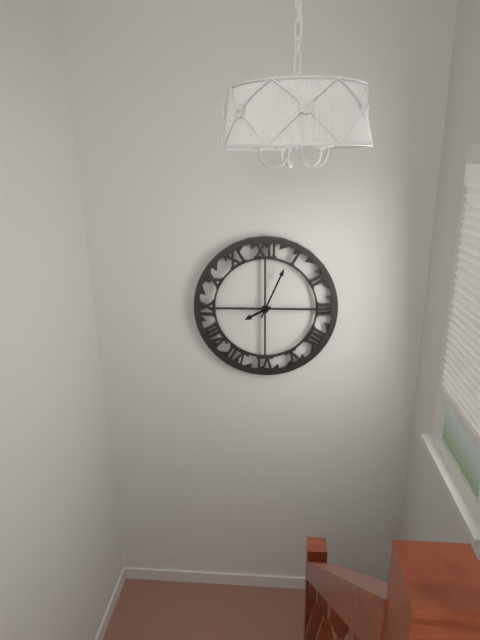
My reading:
8 h 04 min
